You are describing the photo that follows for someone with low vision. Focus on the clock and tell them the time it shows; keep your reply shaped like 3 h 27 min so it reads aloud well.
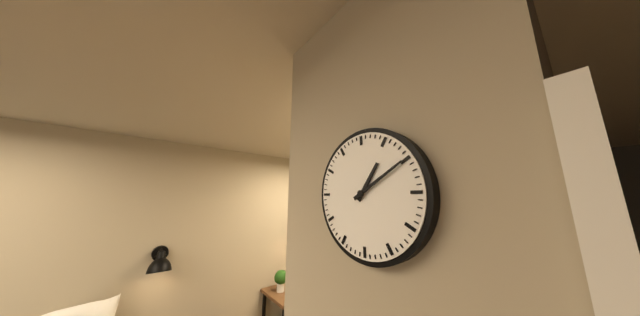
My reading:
1 h 10 min
